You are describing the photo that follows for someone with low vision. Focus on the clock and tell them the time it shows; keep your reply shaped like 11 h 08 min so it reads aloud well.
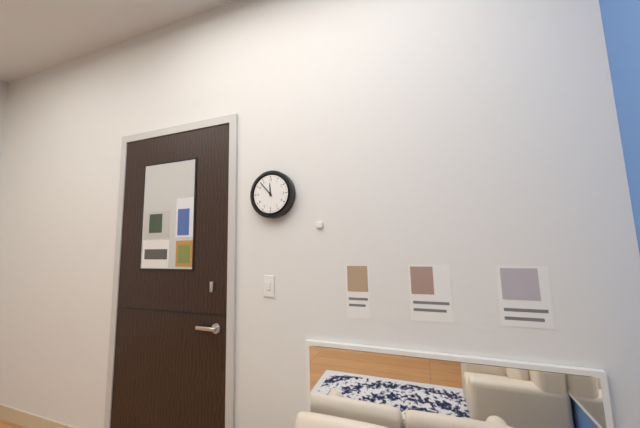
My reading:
11 h 53 min
